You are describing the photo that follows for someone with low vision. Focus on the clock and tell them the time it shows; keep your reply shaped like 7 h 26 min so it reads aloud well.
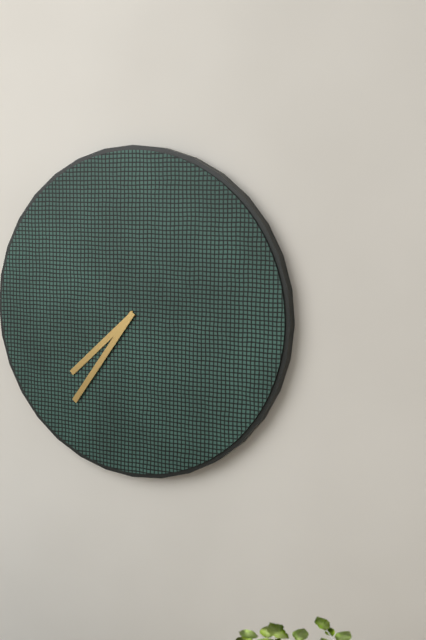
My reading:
7 h 36 min
